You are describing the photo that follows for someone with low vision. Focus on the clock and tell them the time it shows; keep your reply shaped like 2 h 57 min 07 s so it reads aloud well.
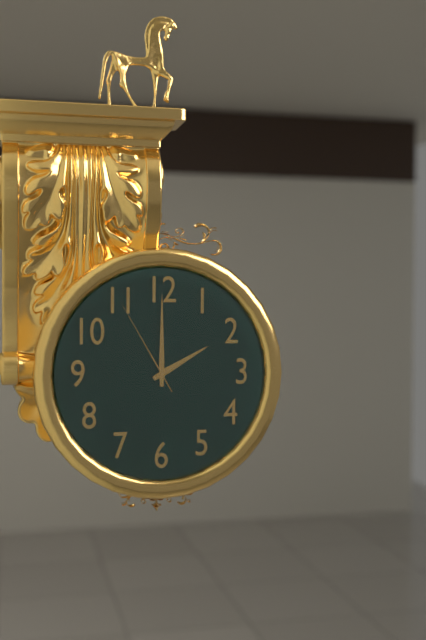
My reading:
2 h 00 min 55 s
